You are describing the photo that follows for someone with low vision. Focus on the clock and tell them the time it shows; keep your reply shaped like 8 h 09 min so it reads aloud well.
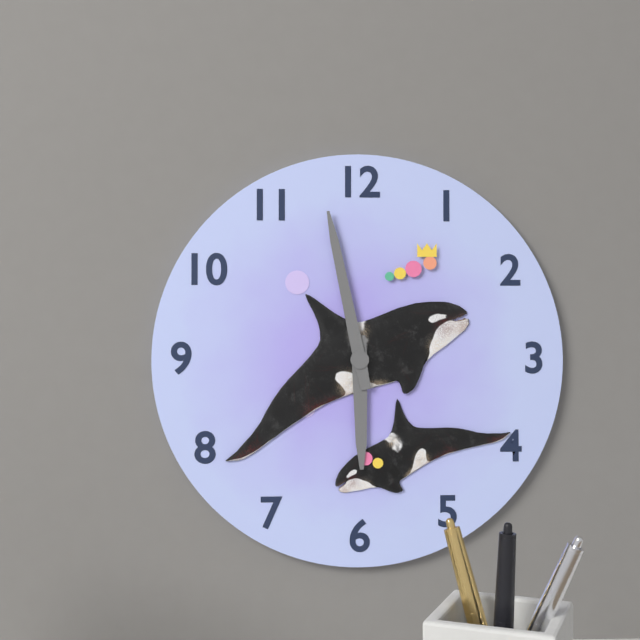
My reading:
5 h 58 min
